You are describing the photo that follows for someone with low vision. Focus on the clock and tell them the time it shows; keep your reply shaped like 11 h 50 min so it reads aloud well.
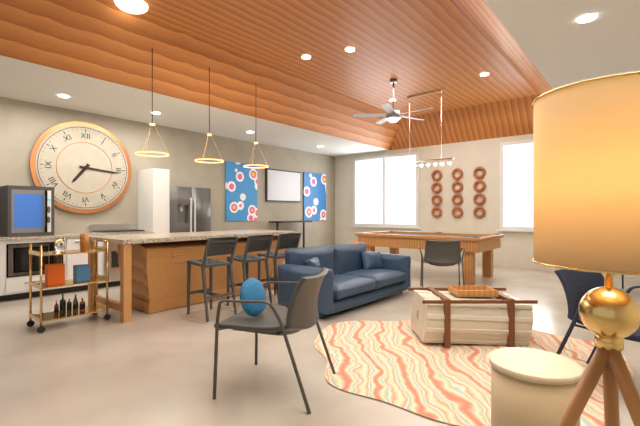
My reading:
7 h 16 min
